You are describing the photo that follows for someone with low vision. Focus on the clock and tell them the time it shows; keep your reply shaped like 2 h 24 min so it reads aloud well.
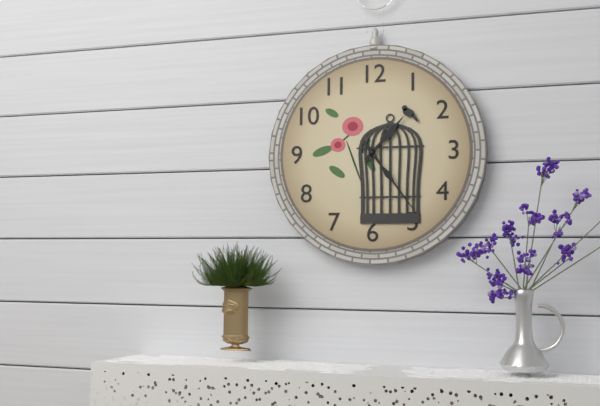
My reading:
1 h 24 min
